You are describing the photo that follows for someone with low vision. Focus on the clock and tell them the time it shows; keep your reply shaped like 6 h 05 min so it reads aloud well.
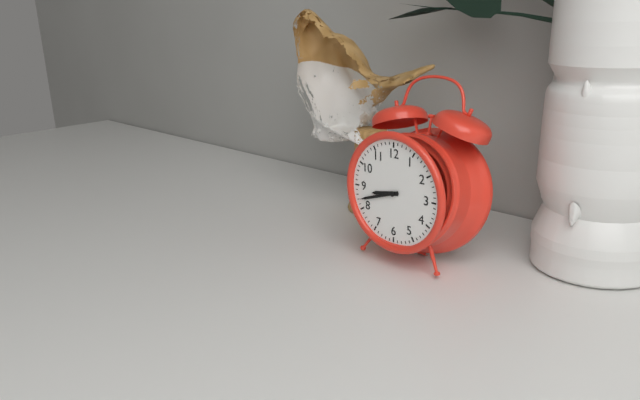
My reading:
8 h 42 min
